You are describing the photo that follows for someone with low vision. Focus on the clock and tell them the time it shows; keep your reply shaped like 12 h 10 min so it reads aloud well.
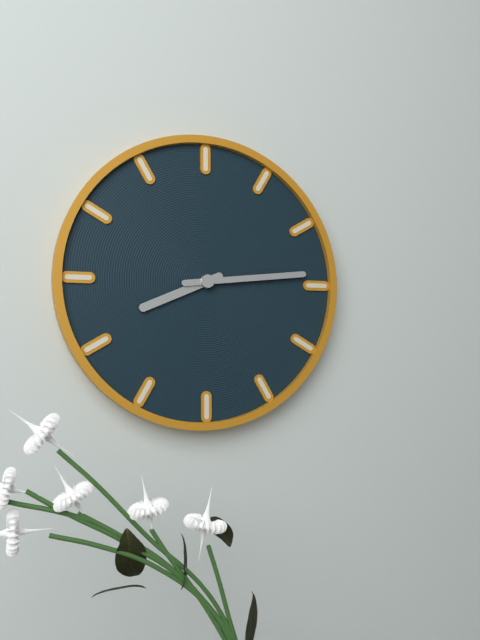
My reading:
8 h 14 min
